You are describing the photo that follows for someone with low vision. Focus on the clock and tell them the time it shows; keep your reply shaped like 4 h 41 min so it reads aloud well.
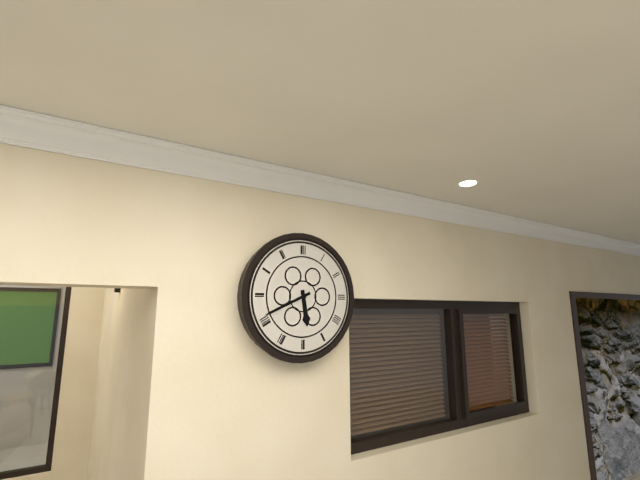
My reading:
5 h 41 min
